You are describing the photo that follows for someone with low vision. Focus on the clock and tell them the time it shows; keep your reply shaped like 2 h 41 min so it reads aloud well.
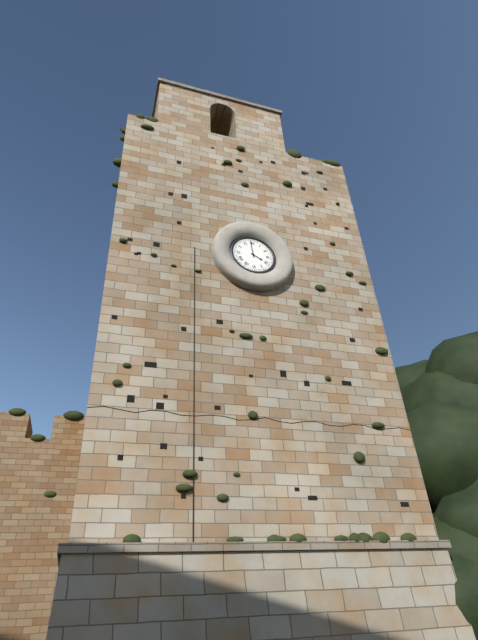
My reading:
3 h 59 min
